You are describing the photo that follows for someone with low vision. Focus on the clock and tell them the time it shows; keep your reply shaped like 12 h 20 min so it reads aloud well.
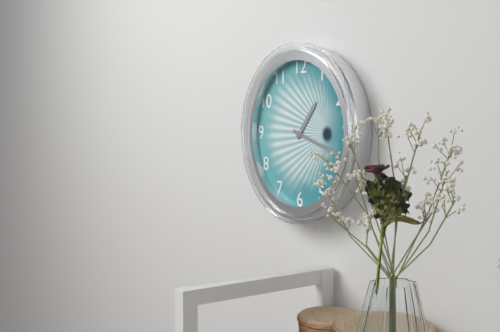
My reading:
1 h 18 min
